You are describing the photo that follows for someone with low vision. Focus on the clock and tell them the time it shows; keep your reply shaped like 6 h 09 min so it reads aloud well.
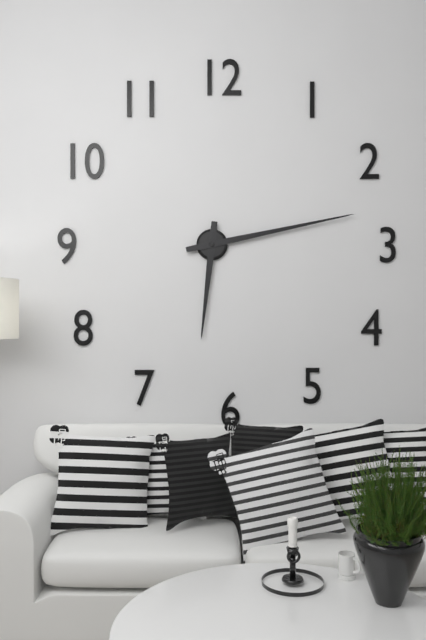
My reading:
6 h 13 min
